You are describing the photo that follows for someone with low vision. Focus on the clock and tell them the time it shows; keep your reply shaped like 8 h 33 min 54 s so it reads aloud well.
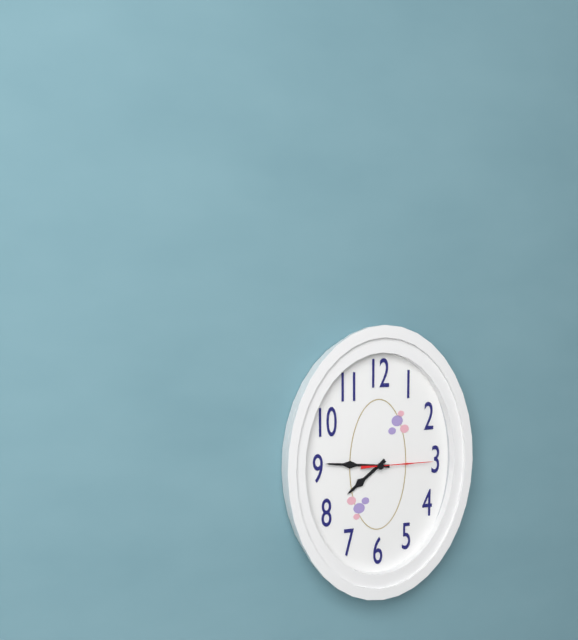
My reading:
7 h 46 min 15 s
